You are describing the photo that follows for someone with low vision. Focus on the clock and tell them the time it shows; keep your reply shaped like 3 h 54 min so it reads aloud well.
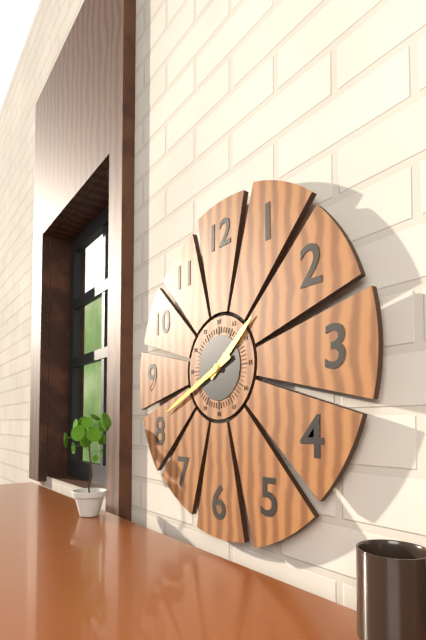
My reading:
1 h 41 min
